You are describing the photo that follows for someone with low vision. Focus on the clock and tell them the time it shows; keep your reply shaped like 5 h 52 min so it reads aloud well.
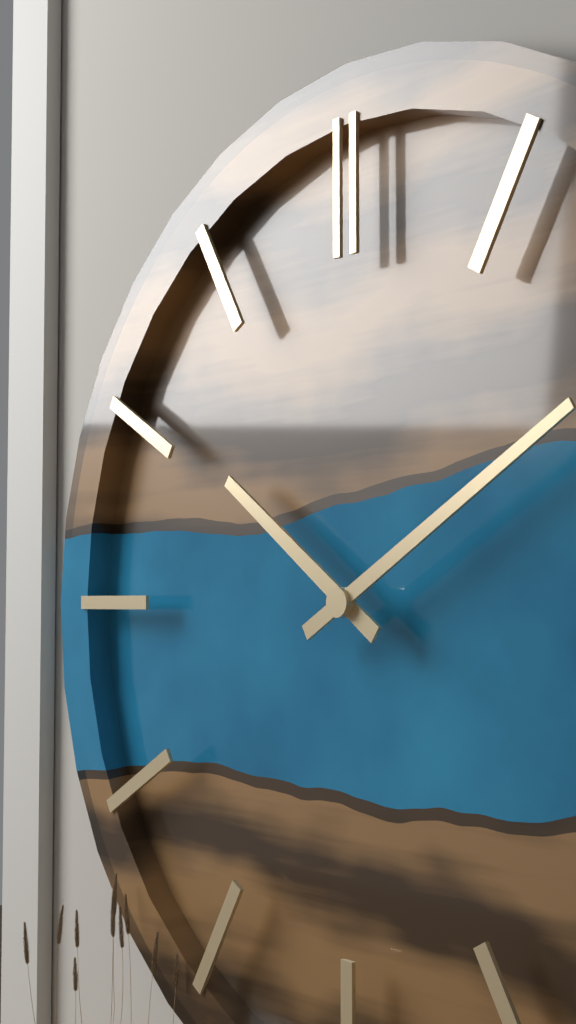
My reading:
10 h 10 min
